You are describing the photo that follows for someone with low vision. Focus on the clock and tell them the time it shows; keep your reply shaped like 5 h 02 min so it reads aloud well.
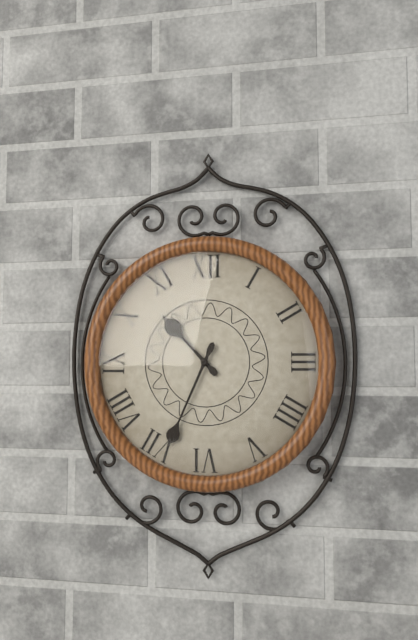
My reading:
10 h 34 min
